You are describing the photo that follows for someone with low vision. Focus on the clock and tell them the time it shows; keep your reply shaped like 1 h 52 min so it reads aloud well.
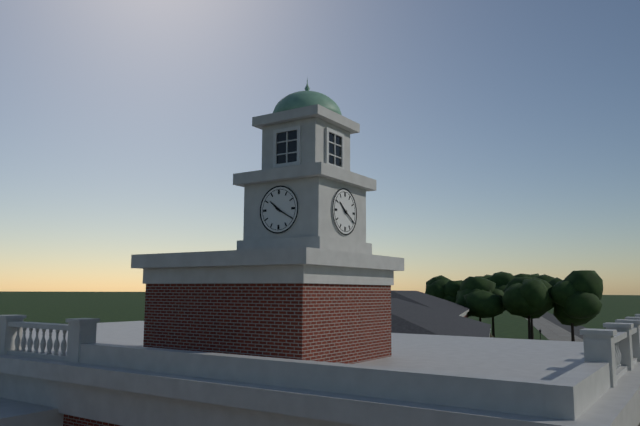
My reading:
10 h 20 min
